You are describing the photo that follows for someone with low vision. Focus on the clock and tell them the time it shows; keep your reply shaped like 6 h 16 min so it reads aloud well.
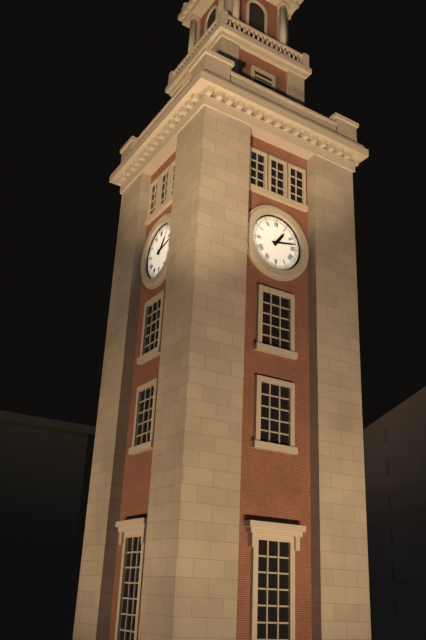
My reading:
1 h 13 min
